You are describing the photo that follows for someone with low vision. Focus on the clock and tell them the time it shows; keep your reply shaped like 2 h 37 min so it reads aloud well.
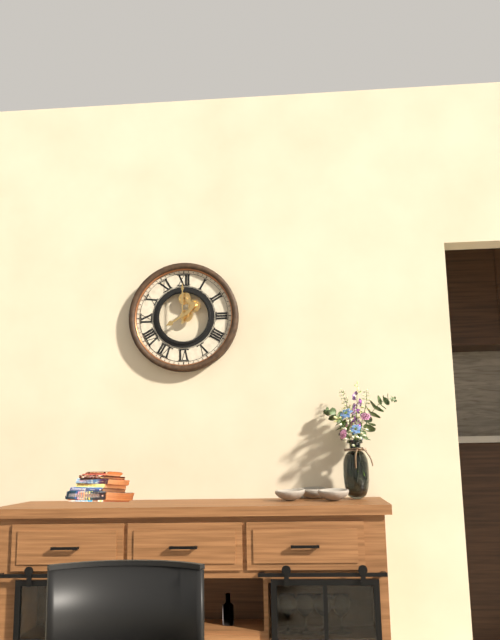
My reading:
8 h 00 min
